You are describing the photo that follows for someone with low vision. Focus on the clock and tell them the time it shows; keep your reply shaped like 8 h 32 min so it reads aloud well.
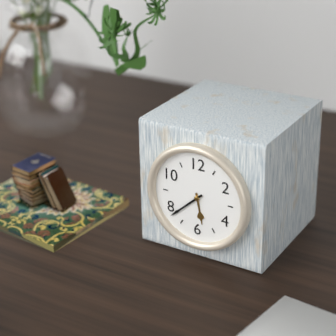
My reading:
5 h 38 min
